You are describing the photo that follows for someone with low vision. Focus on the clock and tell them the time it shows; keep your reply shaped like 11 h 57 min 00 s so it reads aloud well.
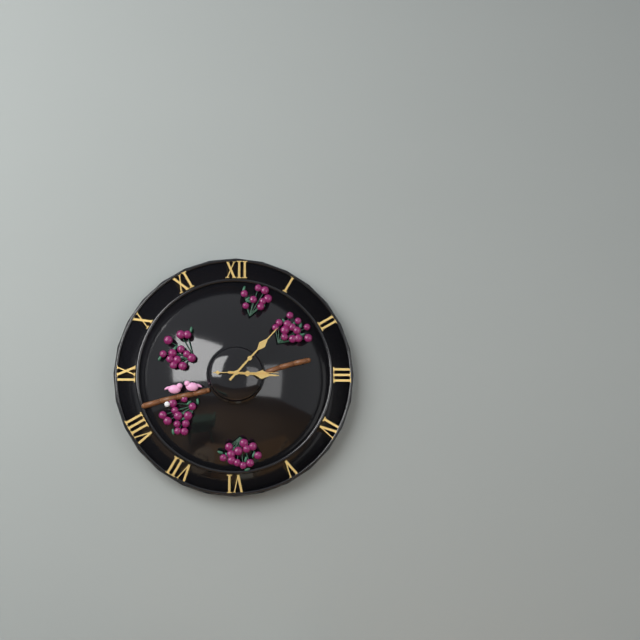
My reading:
3 h 07 min 15 s
